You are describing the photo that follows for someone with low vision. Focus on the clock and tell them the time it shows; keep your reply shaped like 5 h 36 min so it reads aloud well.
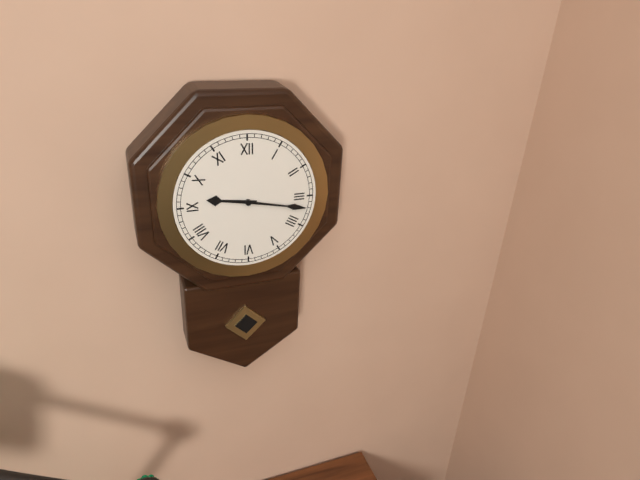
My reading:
9 h 17 min
